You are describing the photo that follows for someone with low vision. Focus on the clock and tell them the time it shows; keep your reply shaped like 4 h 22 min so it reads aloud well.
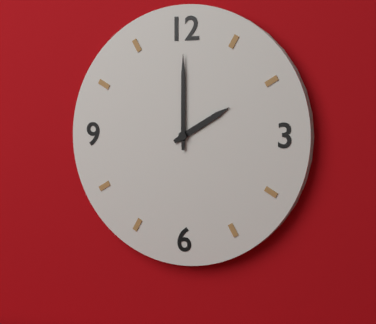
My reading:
2 h 00 min
